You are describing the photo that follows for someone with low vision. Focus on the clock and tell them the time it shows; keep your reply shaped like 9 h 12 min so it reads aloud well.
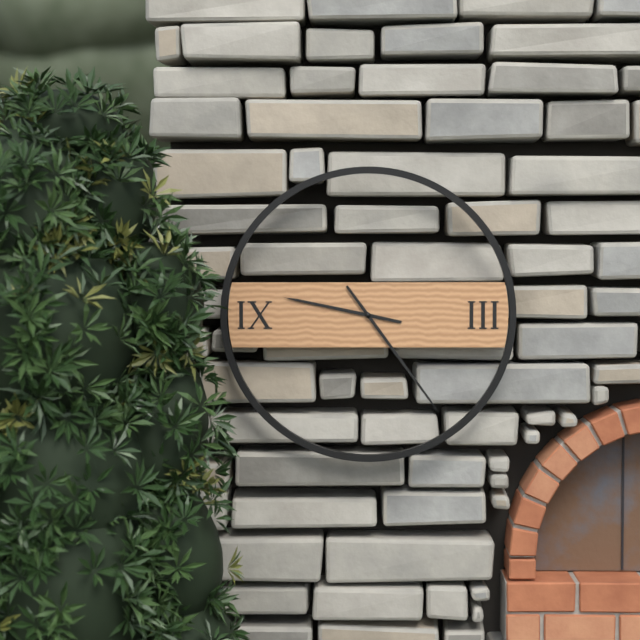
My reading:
9 h 24 min
